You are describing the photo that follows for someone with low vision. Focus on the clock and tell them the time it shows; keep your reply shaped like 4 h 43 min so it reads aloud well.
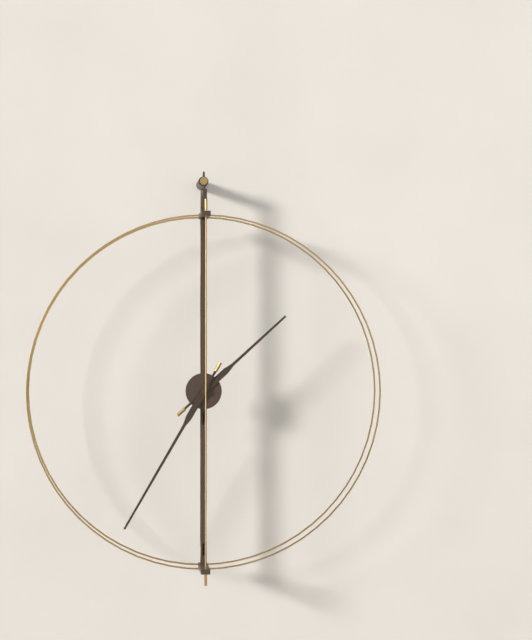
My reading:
1 h 35 min
